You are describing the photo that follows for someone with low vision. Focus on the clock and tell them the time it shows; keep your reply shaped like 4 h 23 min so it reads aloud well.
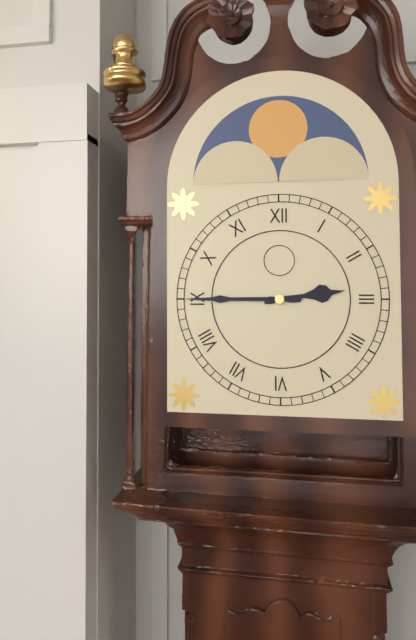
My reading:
2 h 45 min
